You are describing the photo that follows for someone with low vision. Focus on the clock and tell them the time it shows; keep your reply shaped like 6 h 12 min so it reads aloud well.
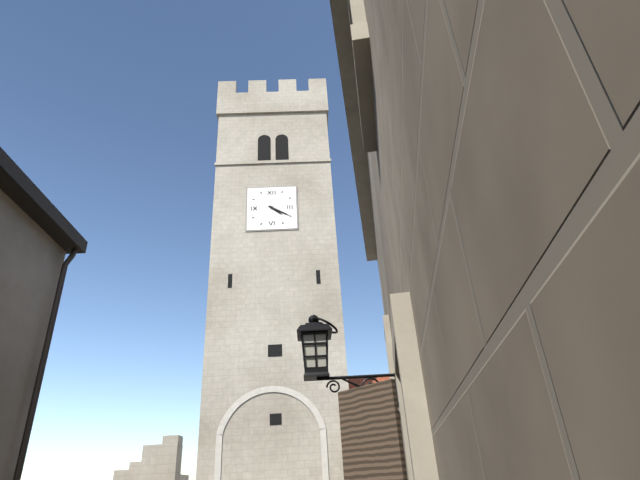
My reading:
4 h 20 min
